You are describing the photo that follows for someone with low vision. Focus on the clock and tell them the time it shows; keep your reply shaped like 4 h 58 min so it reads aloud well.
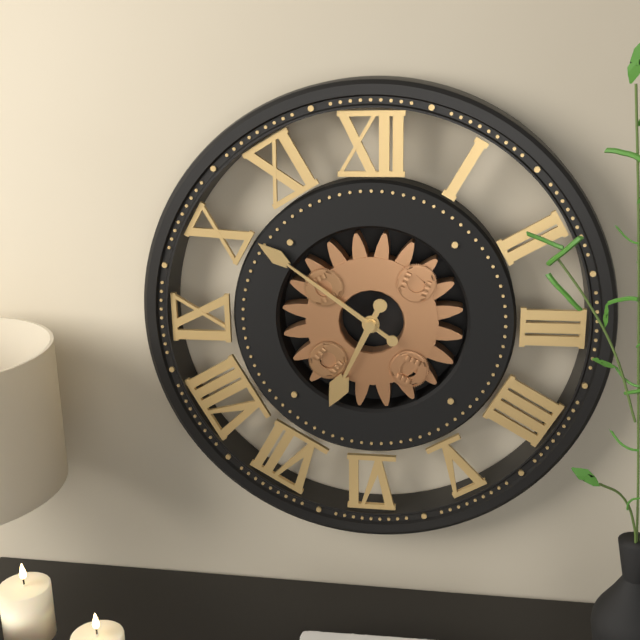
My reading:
6 h 51 min
